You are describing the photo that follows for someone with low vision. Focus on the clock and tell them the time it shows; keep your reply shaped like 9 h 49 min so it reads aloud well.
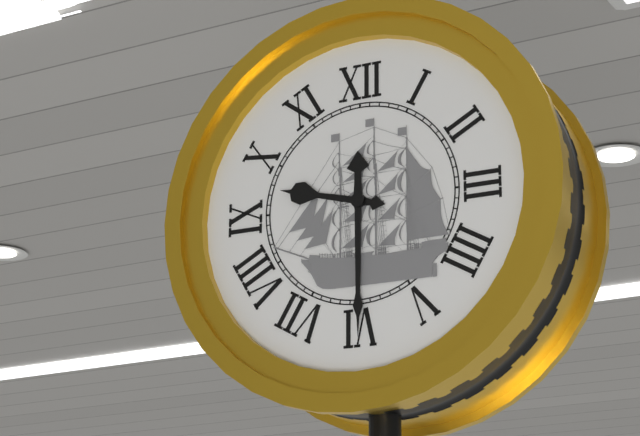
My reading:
9 h 30 min
